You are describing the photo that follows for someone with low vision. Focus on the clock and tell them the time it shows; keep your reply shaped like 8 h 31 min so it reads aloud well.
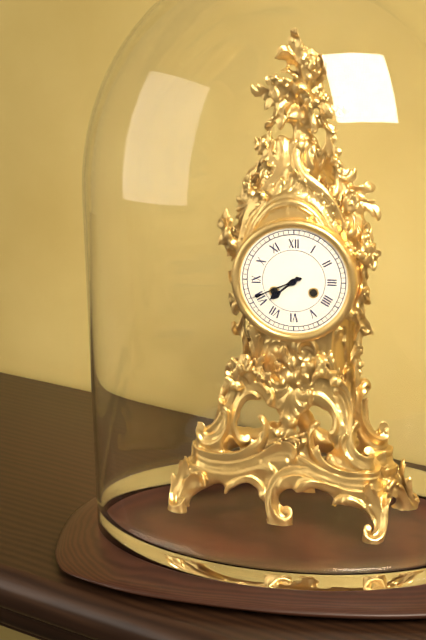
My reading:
7 h 41 min
